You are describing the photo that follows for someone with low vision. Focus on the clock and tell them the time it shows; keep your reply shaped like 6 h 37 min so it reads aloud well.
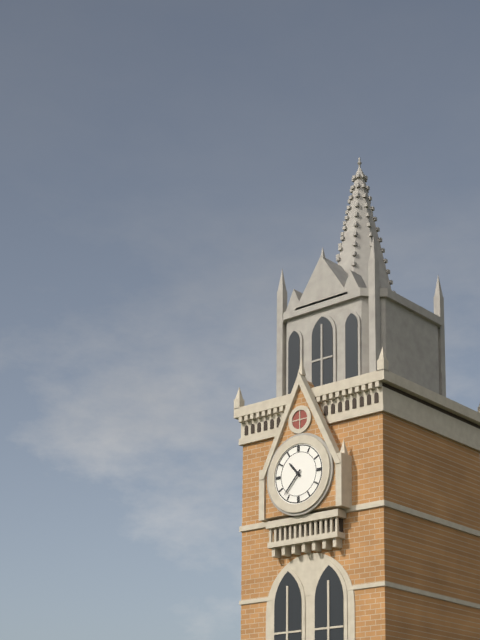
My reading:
10 h 37 min
